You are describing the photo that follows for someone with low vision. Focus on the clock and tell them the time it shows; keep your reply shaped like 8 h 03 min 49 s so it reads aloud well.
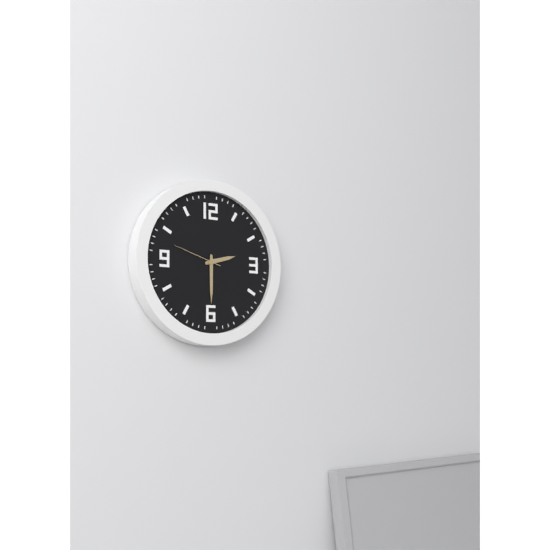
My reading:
2 h 30 min 48 s
